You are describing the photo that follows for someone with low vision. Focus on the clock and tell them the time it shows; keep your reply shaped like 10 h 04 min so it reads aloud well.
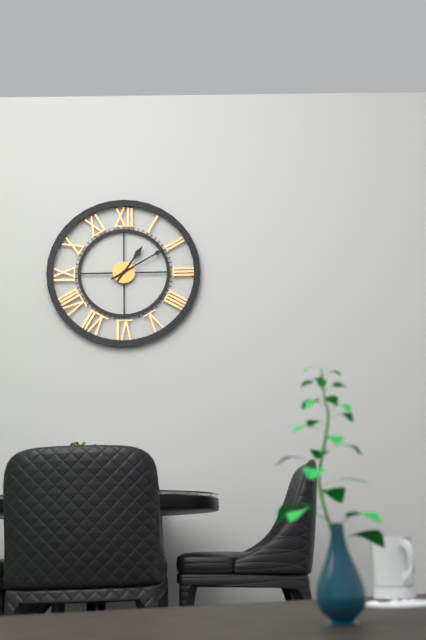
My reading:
1 h 10 min
